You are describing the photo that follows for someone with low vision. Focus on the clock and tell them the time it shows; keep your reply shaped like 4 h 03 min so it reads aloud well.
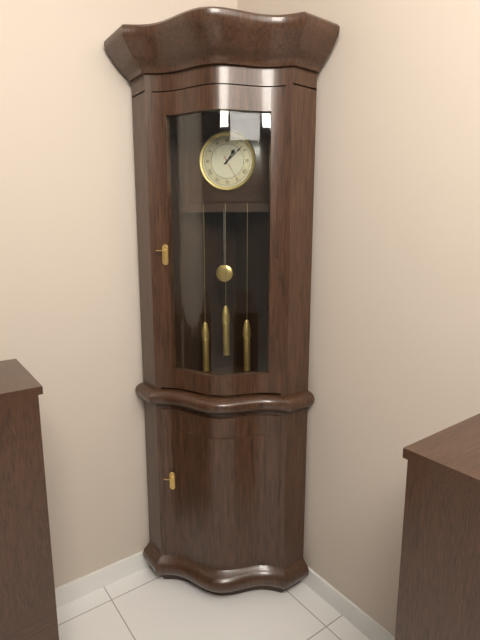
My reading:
1 h 08 min
